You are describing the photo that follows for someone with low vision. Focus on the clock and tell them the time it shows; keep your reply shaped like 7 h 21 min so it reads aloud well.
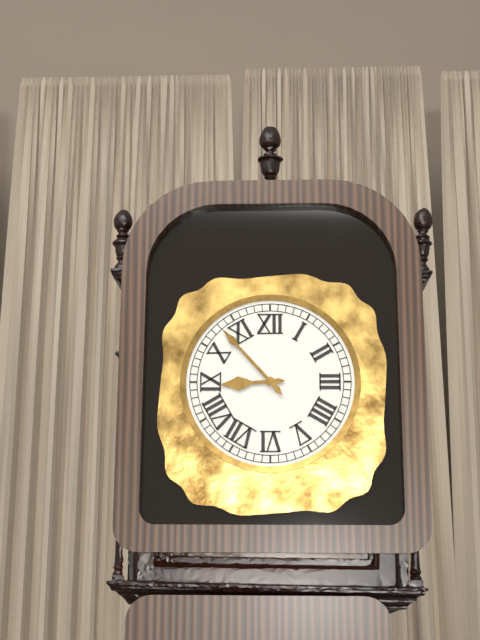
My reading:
8 h 53 min
